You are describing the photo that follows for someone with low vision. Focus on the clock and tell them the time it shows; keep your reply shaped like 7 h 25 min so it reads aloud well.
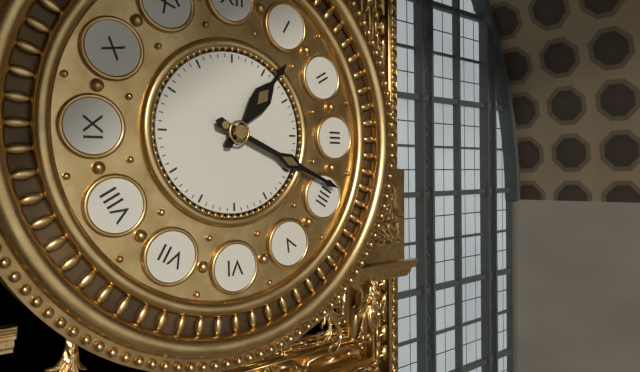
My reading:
1 h 19 min
